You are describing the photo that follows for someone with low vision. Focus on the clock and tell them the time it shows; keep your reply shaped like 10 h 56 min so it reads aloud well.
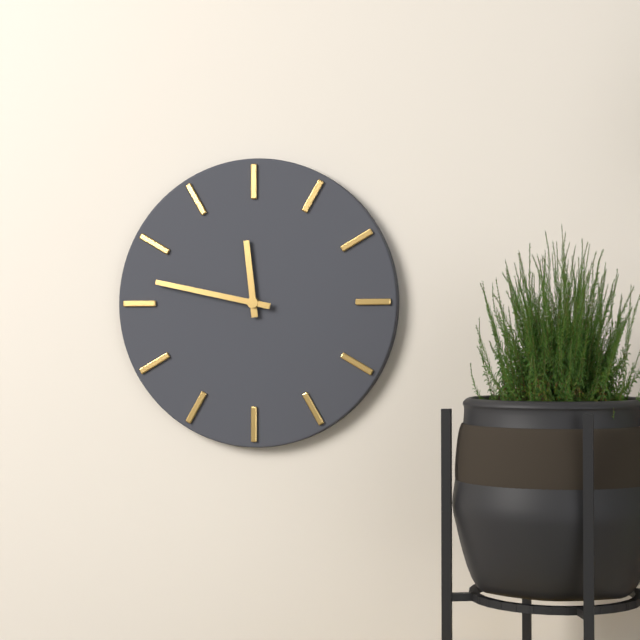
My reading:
11 h 47 min
